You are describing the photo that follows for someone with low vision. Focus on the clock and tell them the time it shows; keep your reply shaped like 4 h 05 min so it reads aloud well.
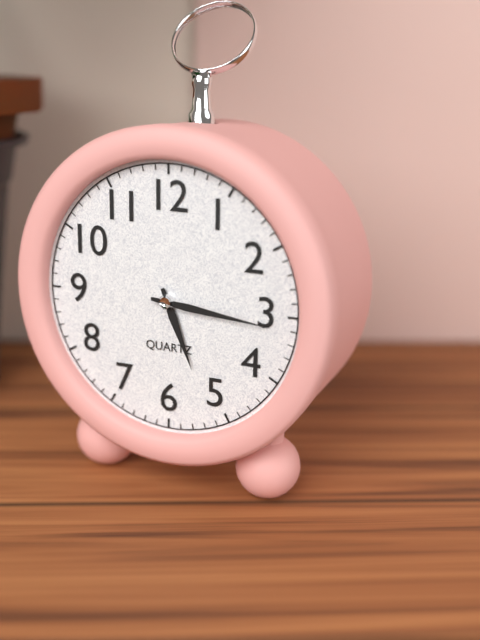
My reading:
5 h 16 min
